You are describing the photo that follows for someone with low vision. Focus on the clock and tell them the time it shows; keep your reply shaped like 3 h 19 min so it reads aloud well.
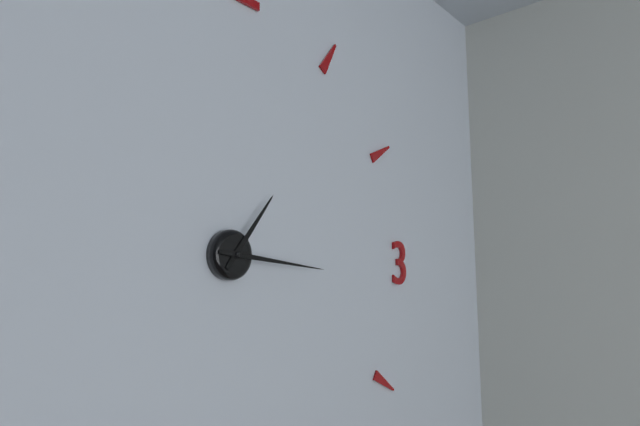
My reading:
1 h 16 min
